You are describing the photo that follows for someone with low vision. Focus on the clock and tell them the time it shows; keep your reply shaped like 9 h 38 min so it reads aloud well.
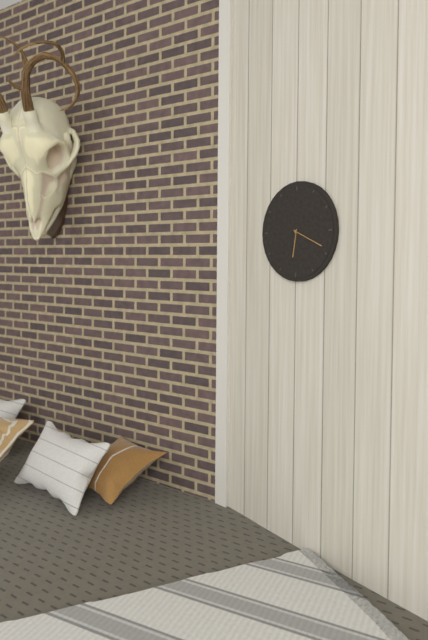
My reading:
6 h 19 min
